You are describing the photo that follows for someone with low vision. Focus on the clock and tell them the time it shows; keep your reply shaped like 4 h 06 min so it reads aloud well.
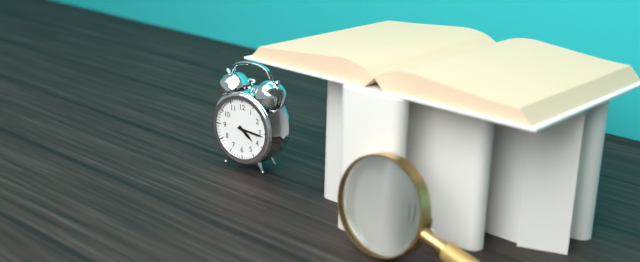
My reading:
4 h 16 min
